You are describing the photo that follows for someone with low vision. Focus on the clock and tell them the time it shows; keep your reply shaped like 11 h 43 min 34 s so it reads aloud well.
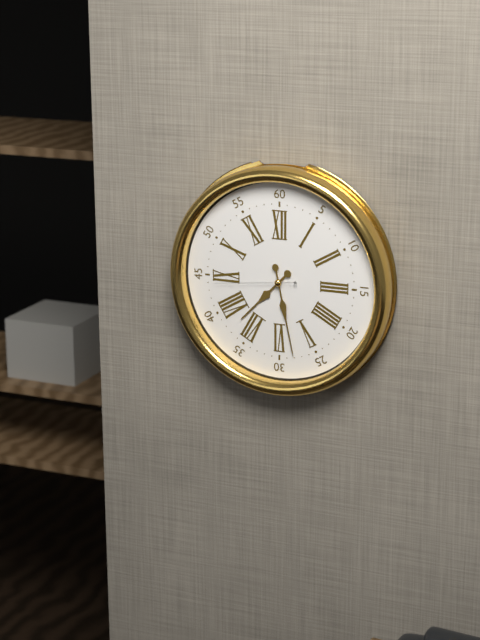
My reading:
7 h 28 min 44 s
